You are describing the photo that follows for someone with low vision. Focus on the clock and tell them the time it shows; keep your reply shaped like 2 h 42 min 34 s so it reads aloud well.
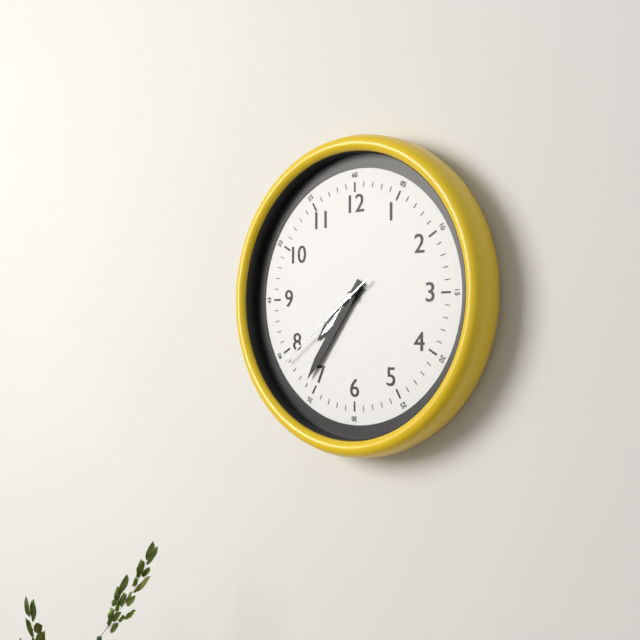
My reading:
7 h 36 min 39 s
